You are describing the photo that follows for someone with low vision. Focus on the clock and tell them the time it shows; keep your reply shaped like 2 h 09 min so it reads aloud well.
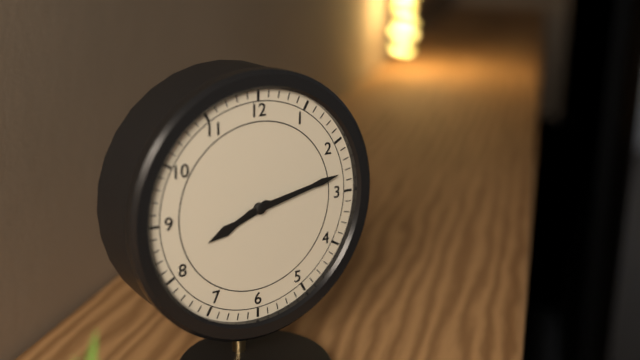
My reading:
8 h 13 min
